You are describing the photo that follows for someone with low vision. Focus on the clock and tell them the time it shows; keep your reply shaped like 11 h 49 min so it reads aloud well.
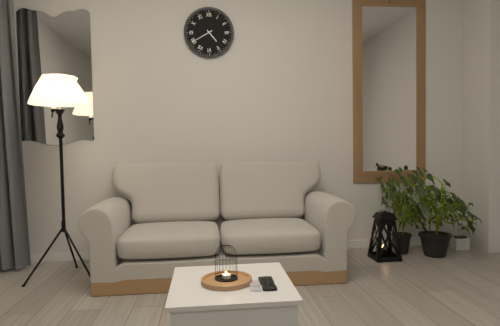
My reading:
4 h 40 min
